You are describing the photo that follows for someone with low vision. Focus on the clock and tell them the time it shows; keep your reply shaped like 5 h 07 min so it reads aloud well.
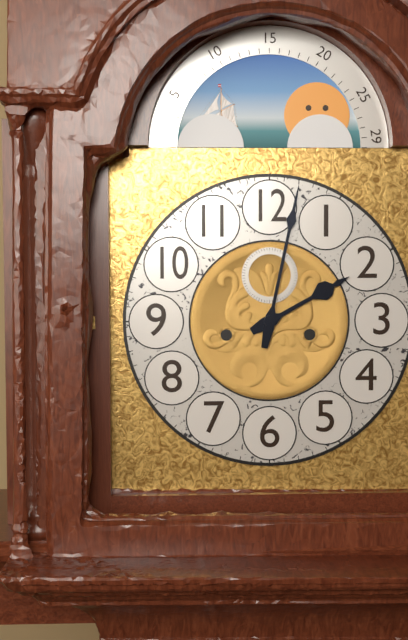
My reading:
2 h 02 min
